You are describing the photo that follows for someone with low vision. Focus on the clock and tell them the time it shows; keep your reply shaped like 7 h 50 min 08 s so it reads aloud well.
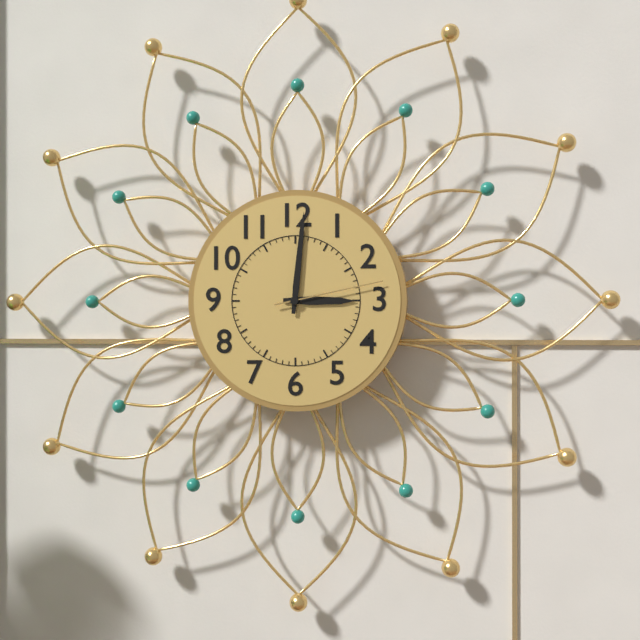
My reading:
3 h 01 min 13 s
